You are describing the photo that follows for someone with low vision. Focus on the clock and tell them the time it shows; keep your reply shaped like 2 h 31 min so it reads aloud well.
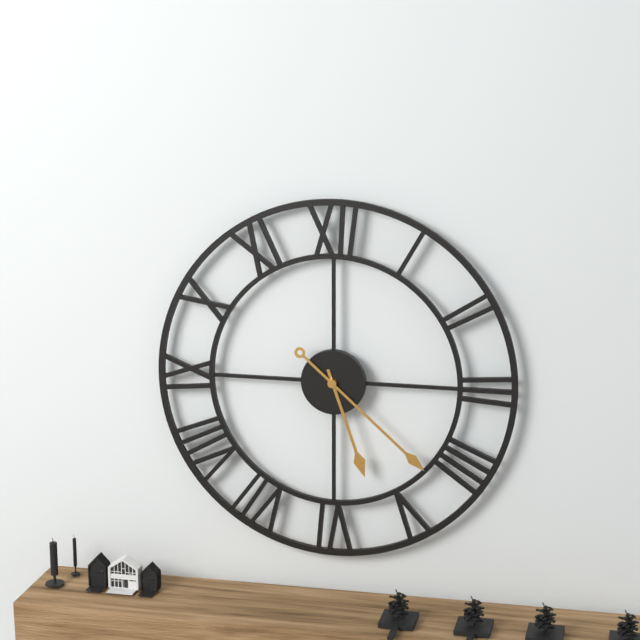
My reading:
5 h 22 min
